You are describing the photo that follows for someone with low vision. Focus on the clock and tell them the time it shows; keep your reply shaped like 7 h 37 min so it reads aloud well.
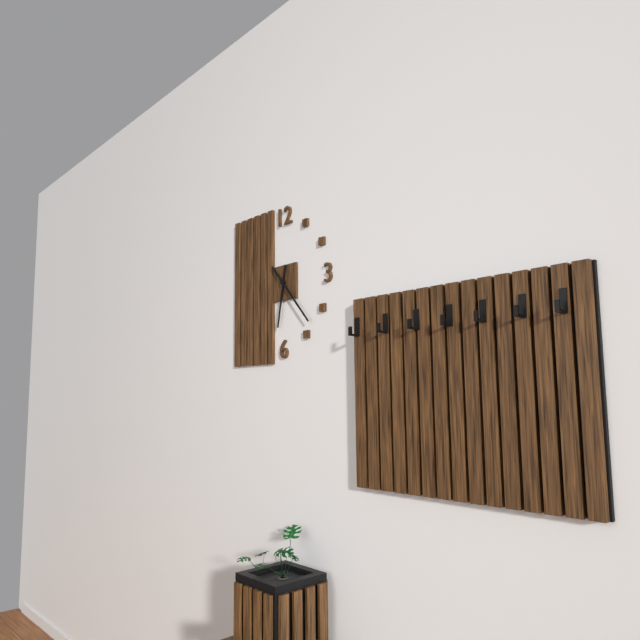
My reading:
6 h 23 min
